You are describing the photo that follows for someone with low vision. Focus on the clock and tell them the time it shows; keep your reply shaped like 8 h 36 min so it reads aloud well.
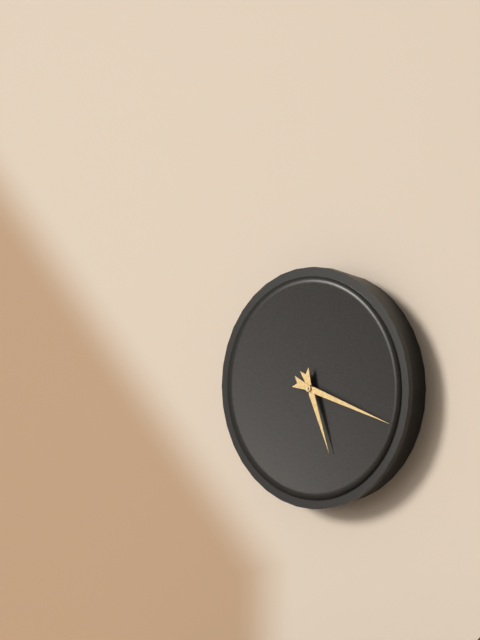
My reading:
5 h 18 min
